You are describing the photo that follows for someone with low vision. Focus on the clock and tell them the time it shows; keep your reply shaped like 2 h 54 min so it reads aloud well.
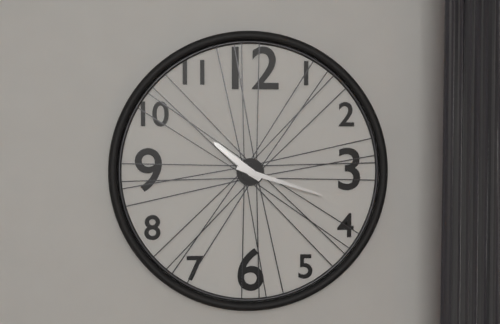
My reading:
10 h 18 min
